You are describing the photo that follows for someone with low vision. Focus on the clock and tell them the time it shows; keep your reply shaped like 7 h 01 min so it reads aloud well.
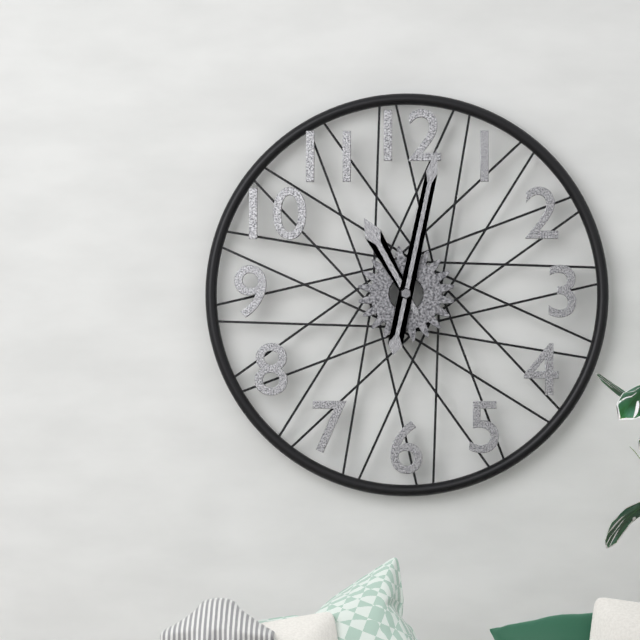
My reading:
11 h 02 min
